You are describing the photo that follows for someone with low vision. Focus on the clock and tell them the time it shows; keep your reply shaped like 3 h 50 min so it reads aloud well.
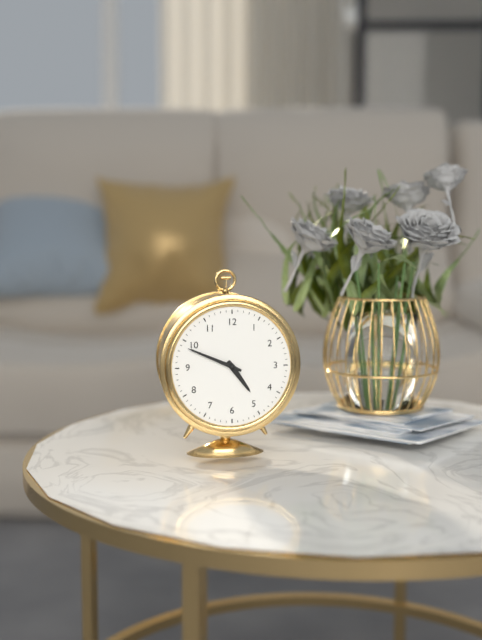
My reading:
4 h 49 min
